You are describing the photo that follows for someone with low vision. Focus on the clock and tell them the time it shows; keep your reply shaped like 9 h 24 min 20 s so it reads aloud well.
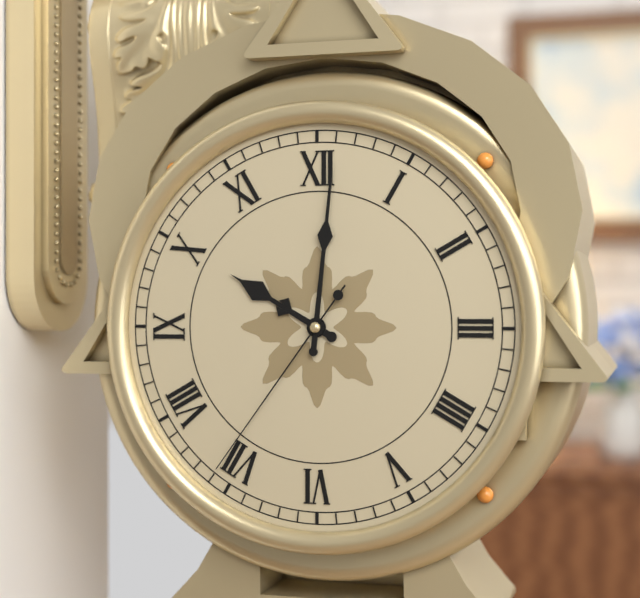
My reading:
10 h 01 min 36 s
